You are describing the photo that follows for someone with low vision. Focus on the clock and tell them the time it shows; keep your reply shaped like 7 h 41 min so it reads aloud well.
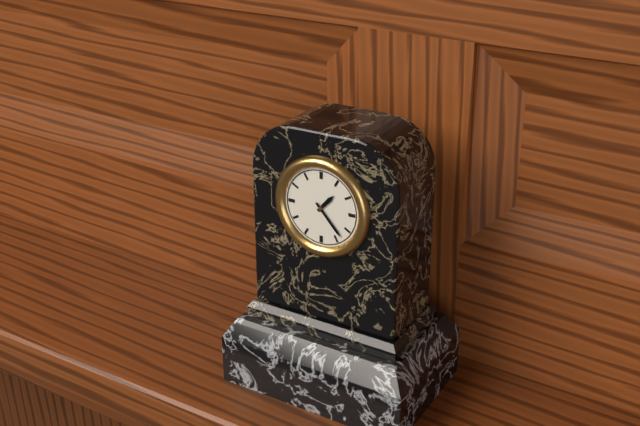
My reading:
1 h 23 min
